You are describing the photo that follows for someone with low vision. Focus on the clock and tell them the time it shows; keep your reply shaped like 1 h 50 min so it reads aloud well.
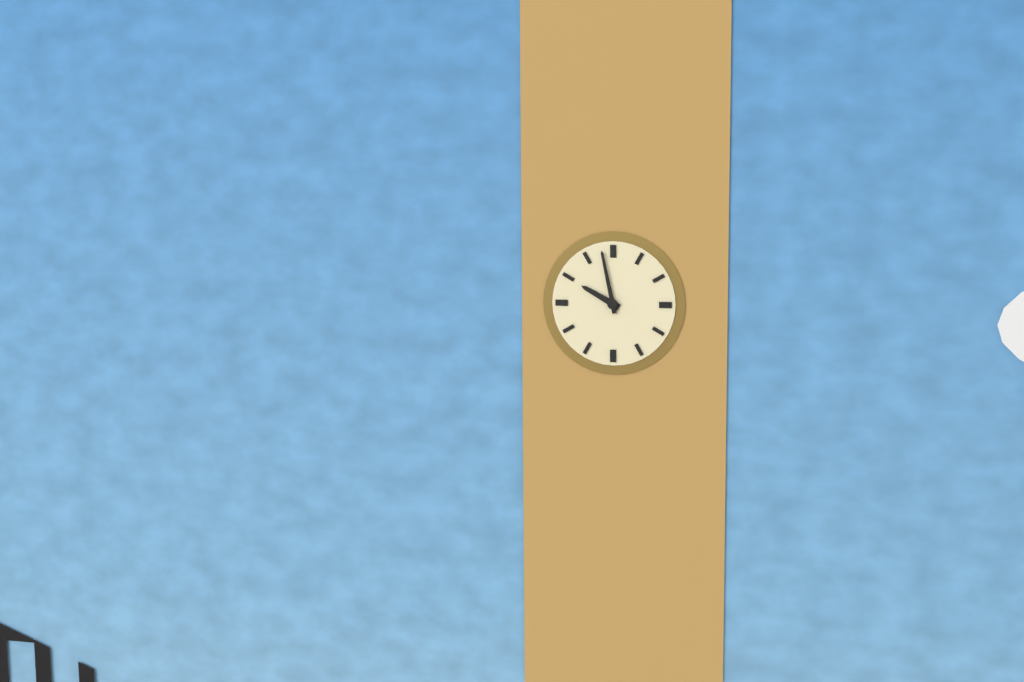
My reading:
9 h 58 min
